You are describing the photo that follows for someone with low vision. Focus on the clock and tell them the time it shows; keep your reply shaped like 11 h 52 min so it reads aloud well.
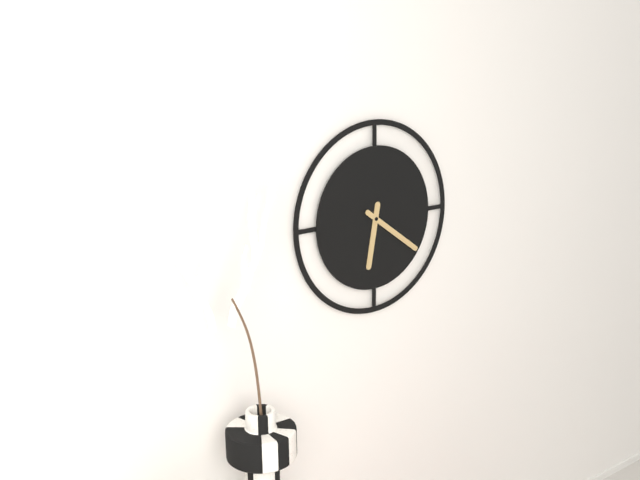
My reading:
6 h 21 min
